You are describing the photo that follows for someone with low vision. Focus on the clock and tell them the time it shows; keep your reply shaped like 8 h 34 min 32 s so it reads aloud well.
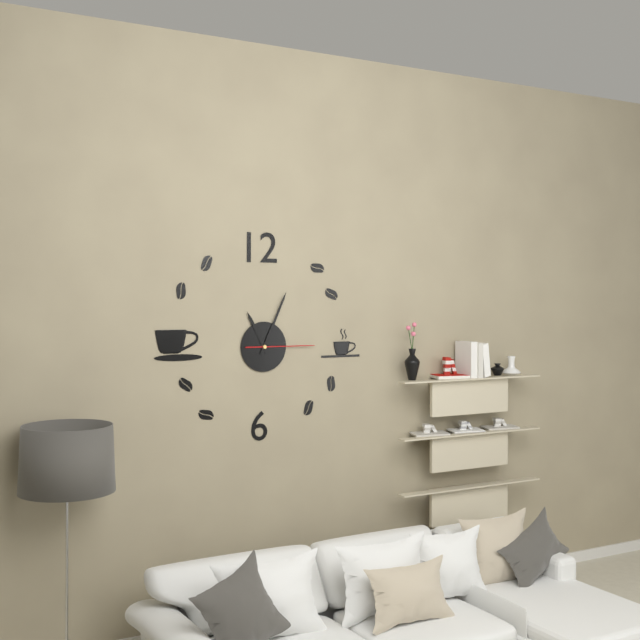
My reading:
11 h 04 min 15 s
